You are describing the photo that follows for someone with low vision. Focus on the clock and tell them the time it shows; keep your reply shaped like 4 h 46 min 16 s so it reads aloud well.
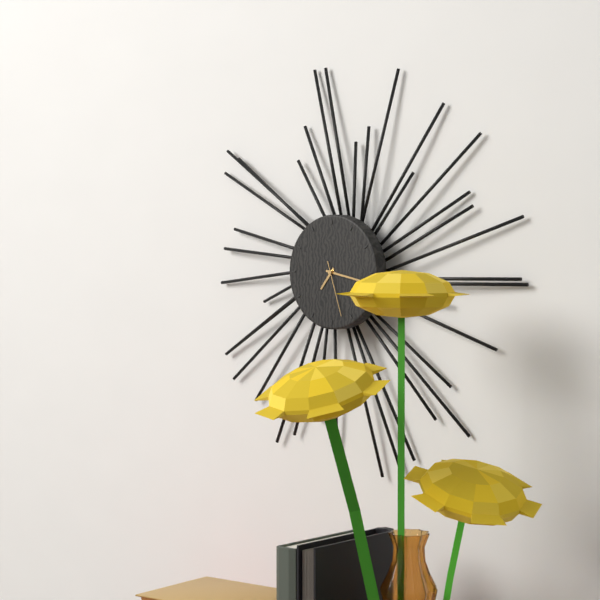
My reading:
7 h 17 min 27 s
